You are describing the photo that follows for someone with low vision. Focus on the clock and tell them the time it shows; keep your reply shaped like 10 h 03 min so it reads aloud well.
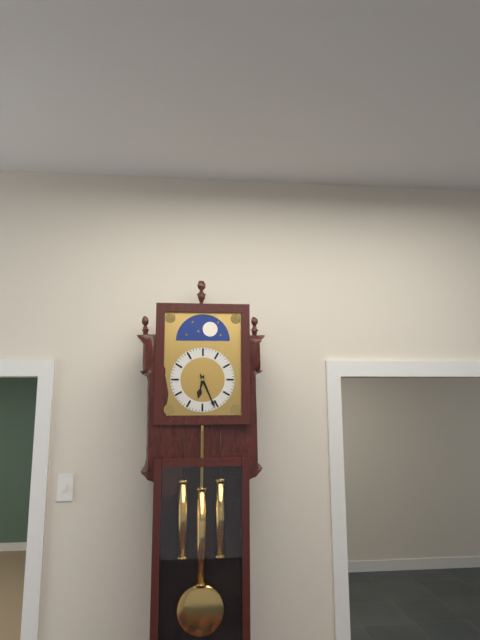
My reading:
6 h 26 min
